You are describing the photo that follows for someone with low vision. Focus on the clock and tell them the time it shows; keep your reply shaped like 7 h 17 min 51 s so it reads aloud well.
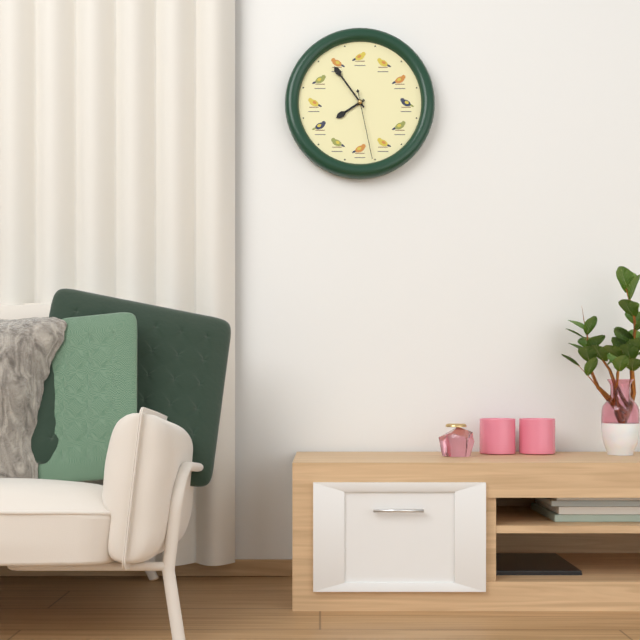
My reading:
7 h 54 min 28 s
